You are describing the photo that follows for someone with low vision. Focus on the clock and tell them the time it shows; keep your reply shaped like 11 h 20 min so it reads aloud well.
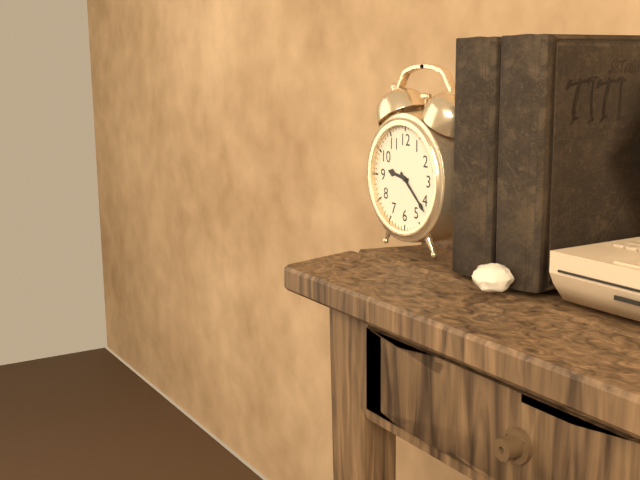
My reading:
9 h 22 min
